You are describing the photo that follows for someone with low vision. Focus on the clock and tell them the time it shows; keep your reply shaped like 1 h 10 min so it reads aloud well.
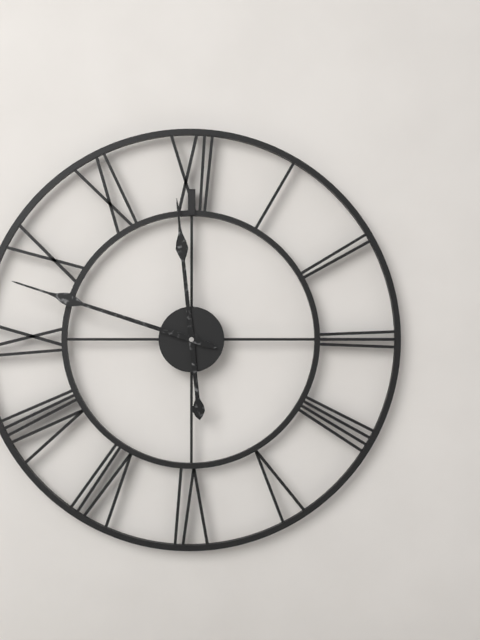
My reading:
11 h 48 min
